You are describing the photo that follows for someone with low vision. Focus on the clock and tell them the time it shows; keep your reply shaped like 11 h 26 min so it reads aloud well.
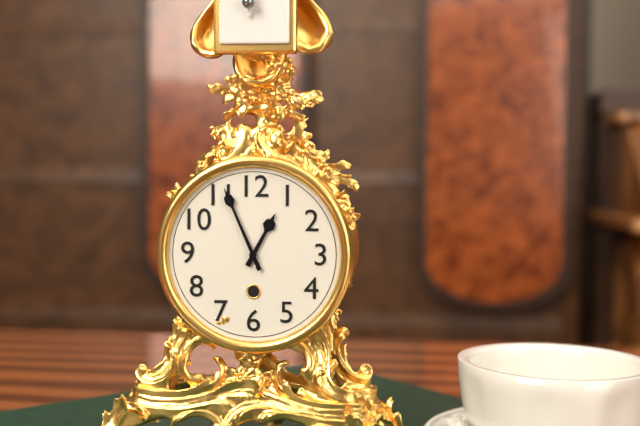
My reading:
12 h 56 min
